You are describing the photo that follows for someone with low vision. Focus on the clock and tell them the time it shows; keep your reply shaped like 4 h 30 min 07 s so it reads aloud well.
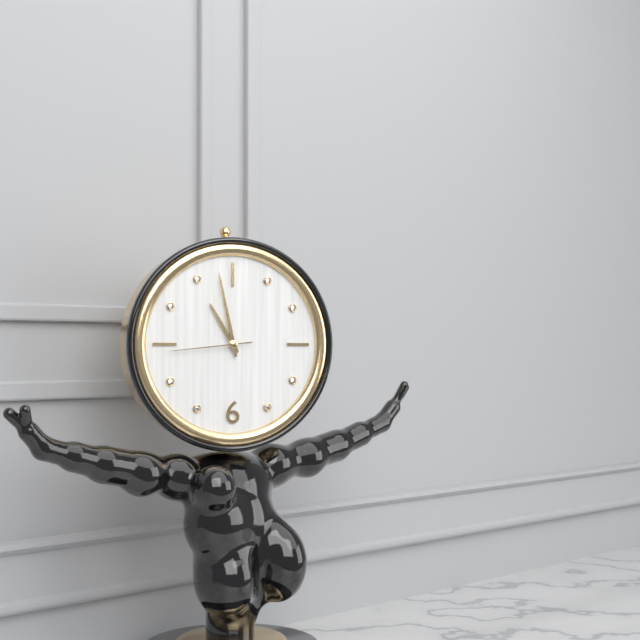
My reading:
10 h 58 min 44 s
